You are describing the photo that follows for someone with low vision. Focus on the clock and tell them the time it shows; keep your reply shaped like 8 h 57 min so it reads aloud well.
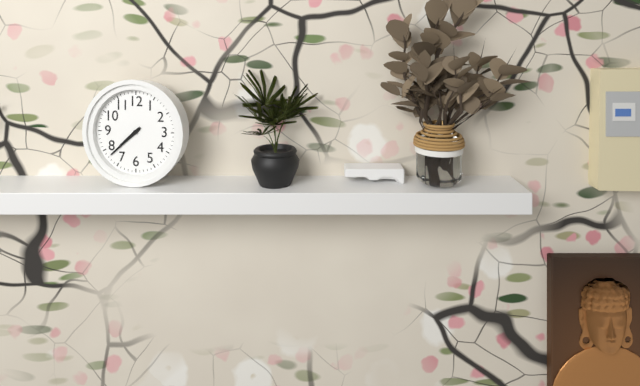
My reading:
7 h 38 min
